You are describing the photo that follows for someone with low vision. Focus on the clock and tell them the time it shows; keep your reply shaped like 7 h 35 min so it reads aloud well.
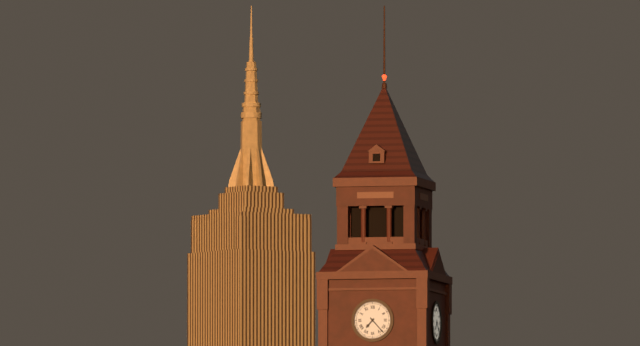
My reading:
7 h 23 min
